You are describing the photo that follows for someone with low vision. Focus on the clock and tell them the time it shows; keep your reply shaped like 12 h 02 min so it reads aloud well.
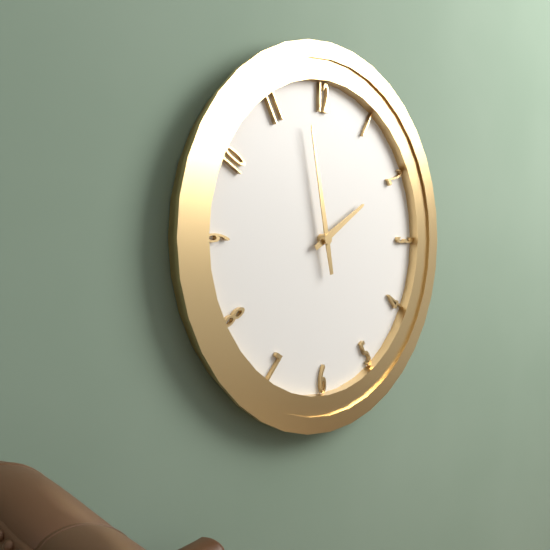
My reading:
1 h 58 min
